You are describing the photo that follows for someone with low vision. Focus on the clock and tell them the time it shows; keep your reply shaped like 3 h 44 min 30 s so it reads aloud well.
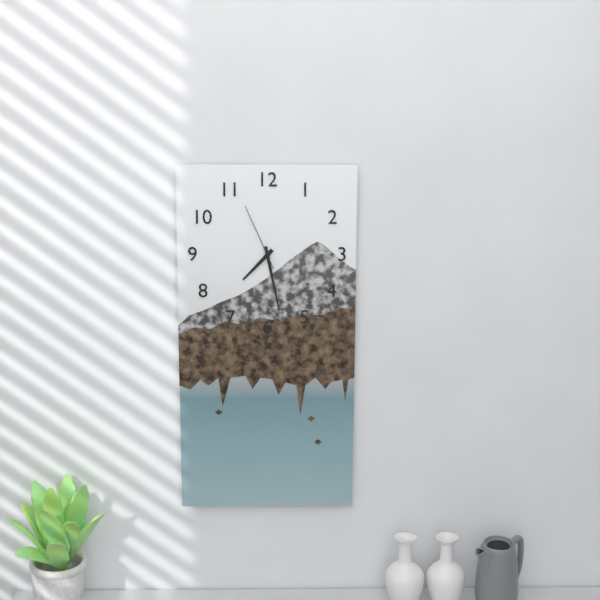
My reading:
7 h 28 min 56 s
